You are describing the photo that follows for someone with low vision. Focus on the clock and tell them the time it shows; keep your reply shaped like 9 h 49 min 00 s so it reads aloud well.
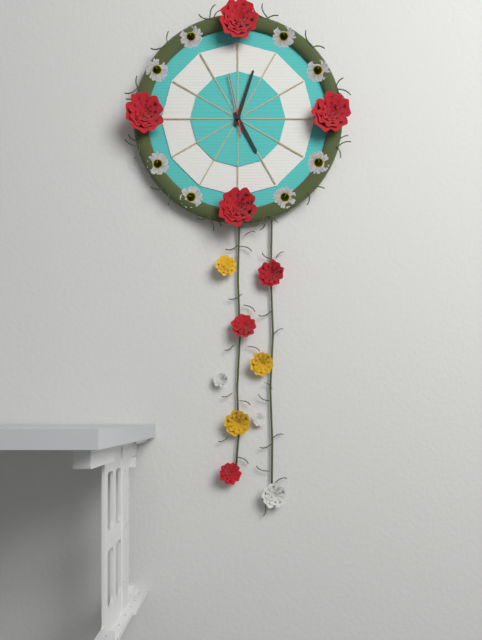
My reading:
5 h 03 min 58 s
